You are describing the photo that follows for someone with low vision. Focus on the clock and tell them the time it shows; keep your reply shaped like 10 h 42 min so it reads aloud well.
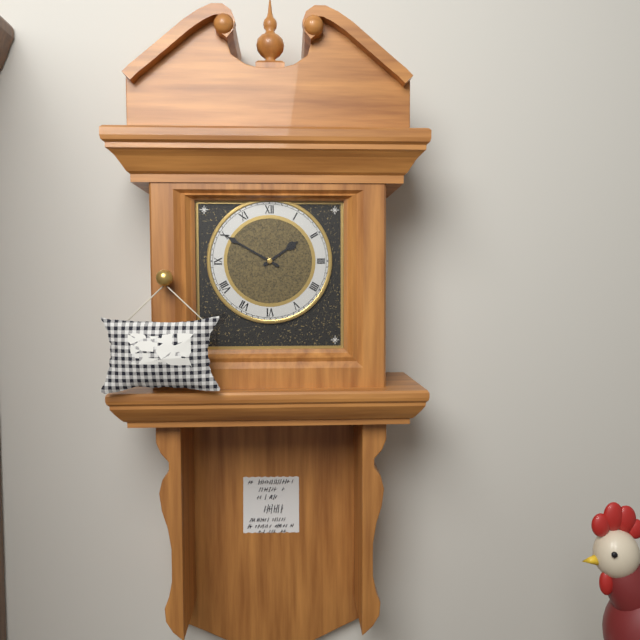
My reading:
1 h 50 min
